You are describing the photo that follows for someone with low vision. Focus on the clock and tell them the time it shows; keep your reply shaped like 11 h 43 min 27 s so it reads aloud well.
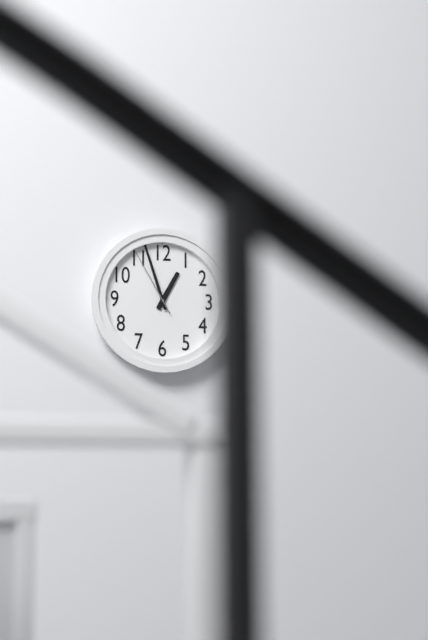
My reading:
12 h 57 min 55 s
